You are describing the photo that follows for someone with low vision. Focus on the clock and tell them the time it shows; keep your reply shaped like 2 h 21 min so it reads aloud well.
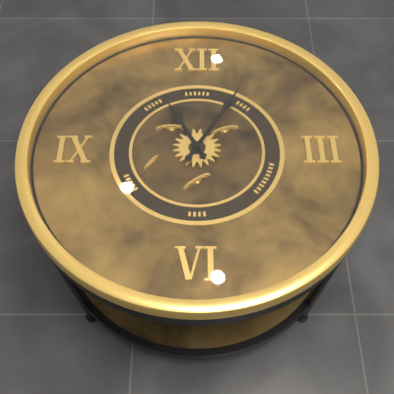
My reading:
11 h 05 min
